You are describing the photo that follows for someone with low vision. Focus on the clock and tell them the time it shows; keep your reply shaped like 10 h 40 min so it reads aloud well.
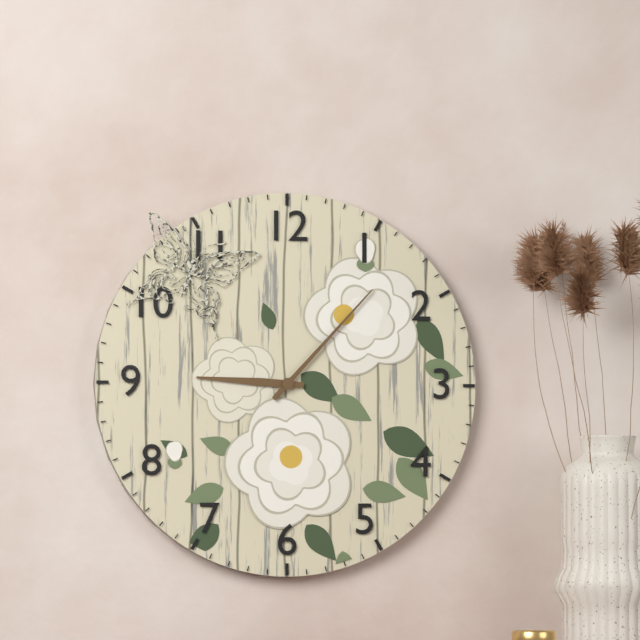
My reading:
9 h 07 min
